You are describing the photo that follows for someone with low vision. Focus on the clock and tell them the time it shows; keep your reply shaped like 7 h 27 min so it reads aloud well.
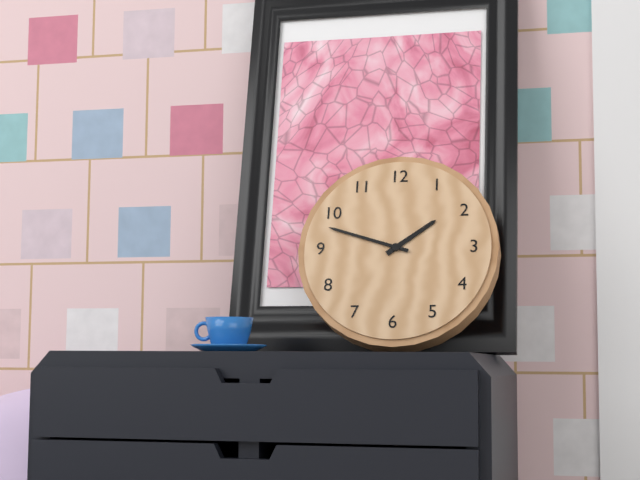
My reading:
1 h 48 min
